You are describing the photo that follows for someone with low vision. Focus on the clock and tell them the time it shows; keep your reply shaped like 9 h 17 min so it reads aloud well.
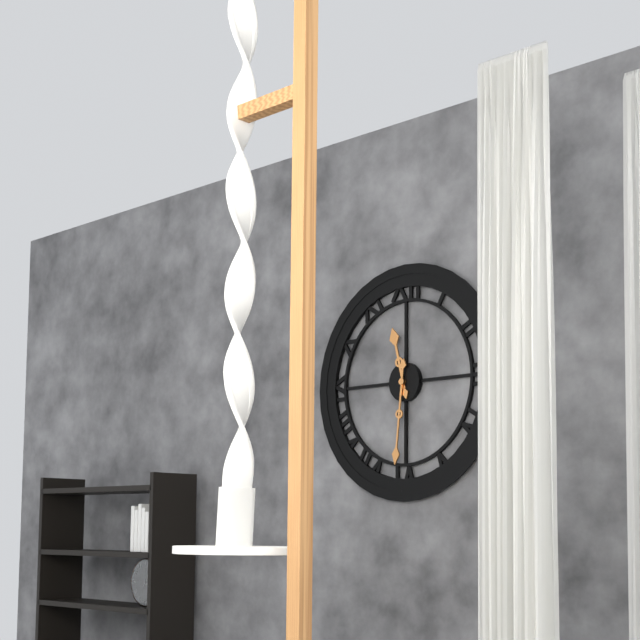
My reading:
11 h 31 min
